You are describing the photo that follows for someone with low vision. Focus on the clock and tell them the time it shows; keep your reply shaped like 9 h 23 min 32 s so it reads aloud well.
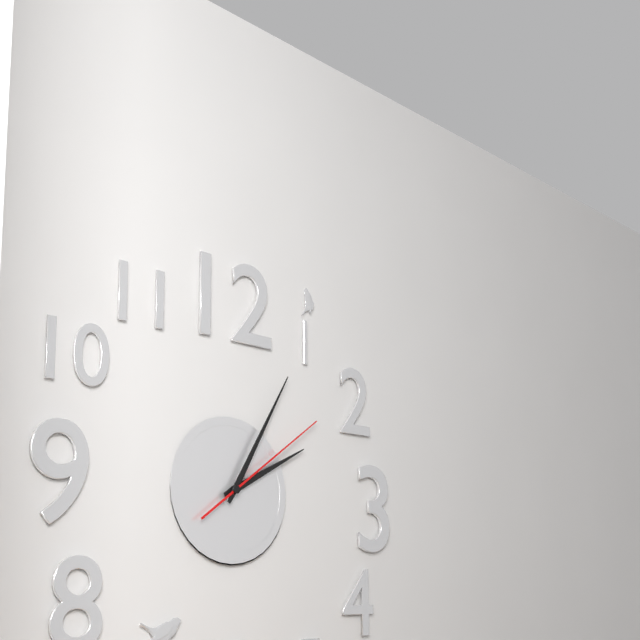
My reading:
2 h 05 min 09 s
